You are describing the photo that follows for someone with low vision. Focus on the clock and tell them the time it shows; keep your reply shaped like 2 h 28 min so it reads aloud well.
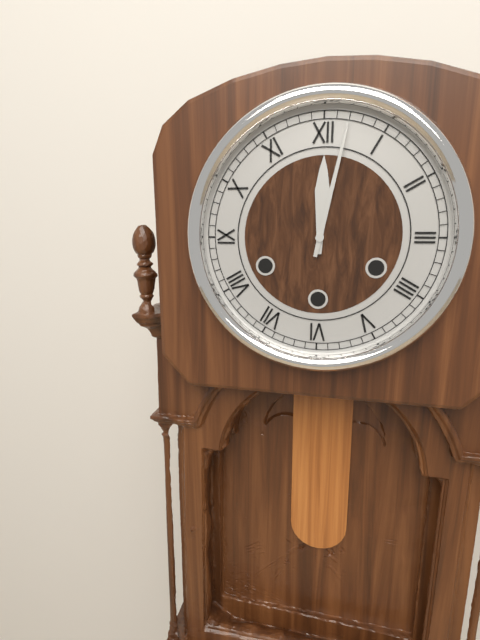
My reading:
12 h 02 min
